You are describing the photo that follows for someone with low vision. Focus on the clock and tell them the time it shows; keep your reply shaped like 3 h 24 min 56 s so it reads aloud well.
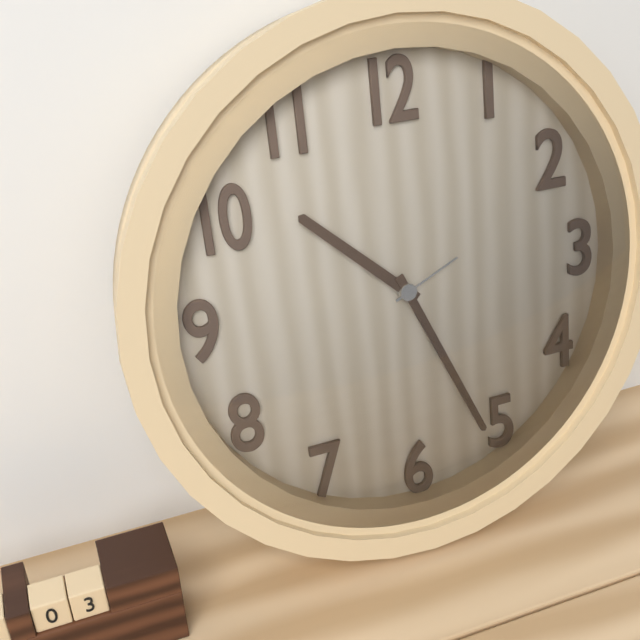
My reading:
10 h 26 min 11 s
